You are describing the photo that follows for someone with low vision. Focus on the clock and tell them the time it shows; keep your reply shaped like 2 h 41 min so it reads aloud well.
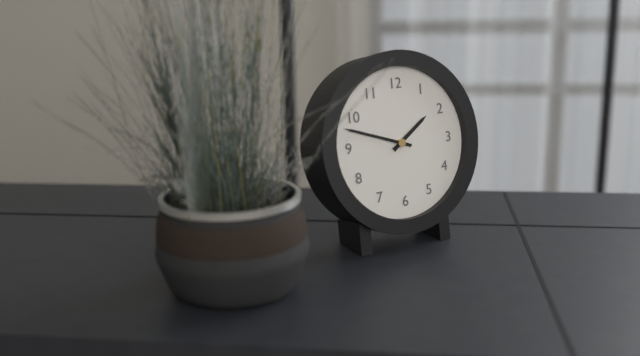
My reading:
1 h 48 min
